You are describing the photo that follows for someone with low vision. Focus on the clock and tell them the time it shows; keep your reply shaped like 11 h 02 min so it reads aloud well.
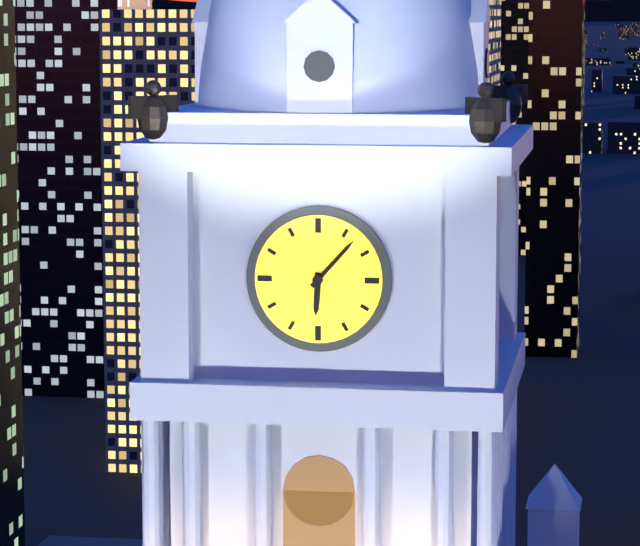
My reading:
6 h 07 min
